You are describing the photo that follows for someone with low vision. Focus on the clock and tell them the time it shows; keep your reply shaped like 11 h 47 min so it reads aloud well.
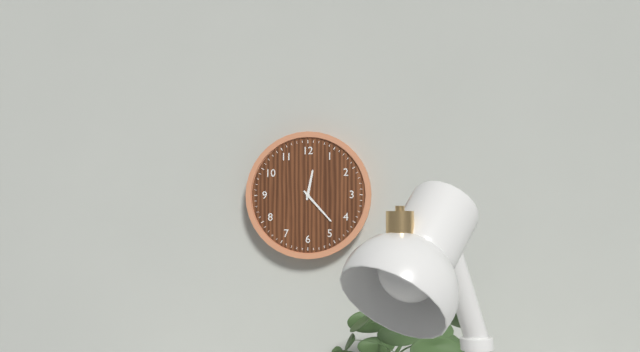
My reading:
12 h 23 min
